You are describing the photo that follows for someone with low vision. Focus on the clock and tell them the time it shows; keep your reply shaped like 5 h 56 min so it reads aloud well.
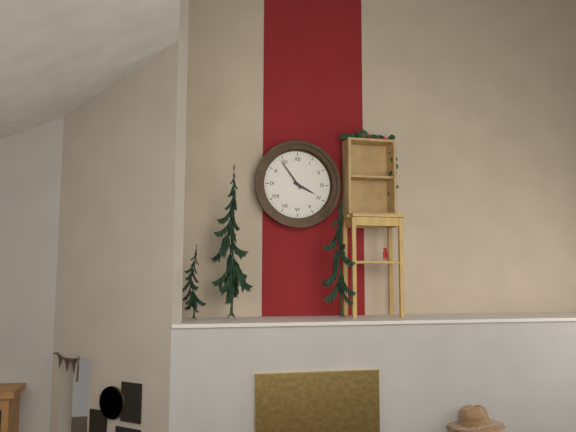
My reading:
3 h 54 min
